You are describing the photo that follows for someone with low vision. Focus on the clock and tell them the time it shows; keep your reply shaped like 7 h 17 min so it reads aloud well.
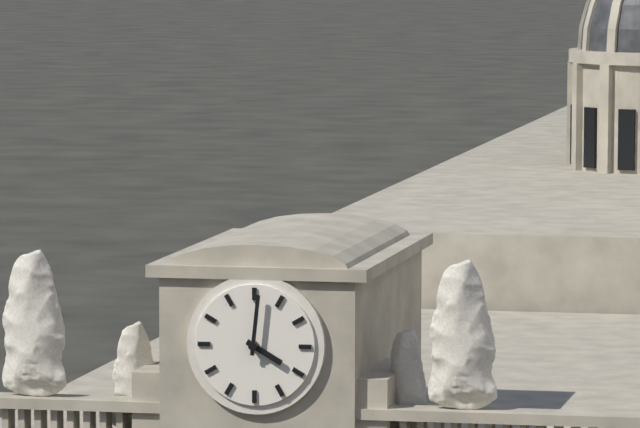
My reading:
4 h 01 min
